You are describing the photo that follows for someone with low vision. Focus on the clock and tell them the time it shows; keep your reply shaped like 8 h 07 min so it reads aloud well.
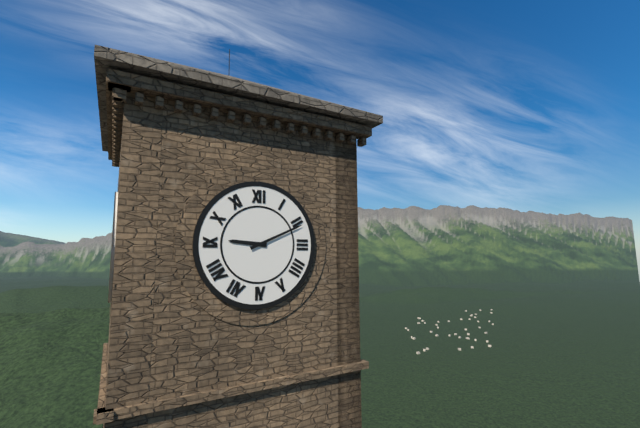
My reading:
9 h 11 min
